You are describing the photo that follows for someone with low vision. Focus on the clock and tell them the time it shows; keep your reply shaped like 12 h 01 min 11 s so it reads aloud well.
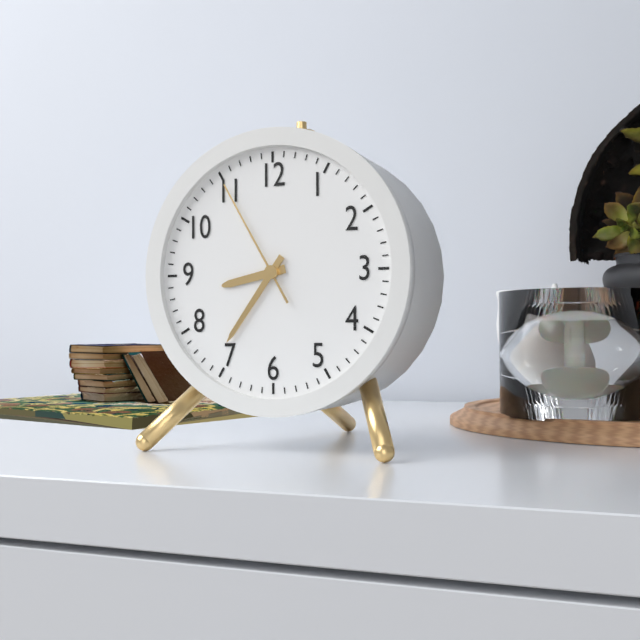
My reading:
8 h 36 min 55 s
